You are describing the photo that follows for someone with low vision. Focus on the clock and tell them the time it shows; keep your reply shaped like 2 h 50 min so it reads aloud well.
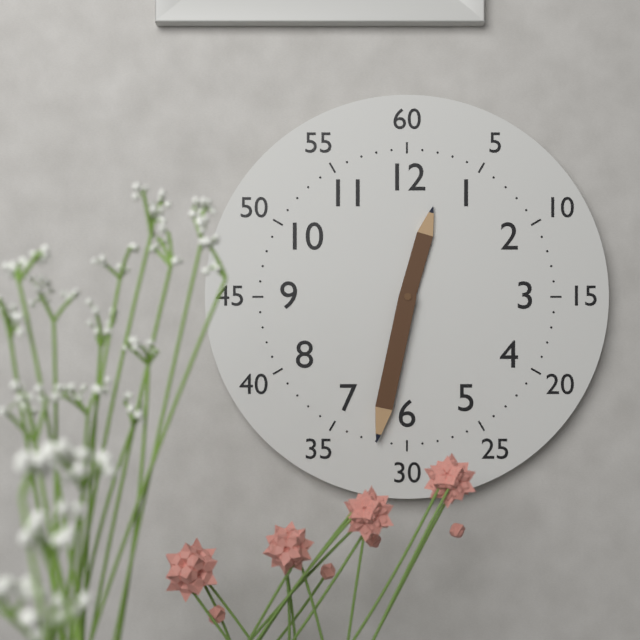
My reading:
12 h 32 min
